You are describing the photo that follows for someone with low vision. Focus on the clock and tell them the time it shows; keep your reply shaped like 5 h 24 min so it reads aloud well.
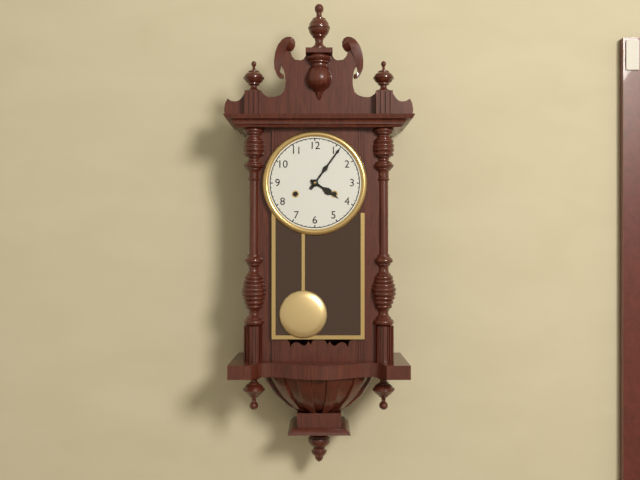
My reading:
4 h 06 min
